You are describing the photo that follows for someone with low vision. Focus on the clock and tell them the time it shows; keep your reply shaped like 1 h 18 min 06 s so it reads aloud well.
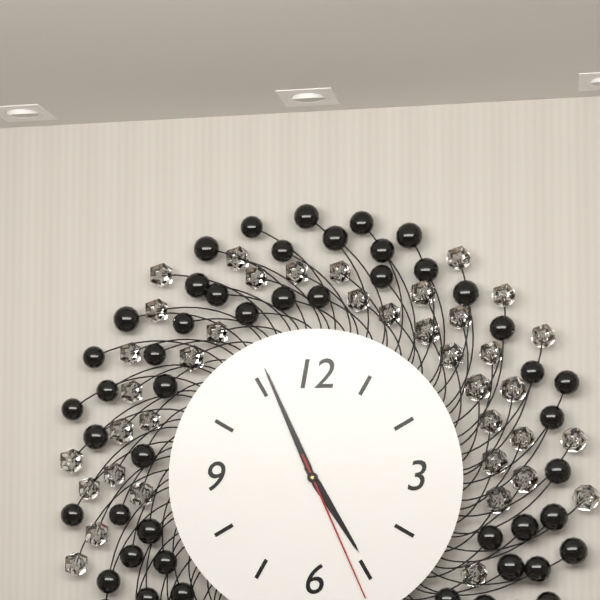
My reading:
4 h 56 min 26 s
